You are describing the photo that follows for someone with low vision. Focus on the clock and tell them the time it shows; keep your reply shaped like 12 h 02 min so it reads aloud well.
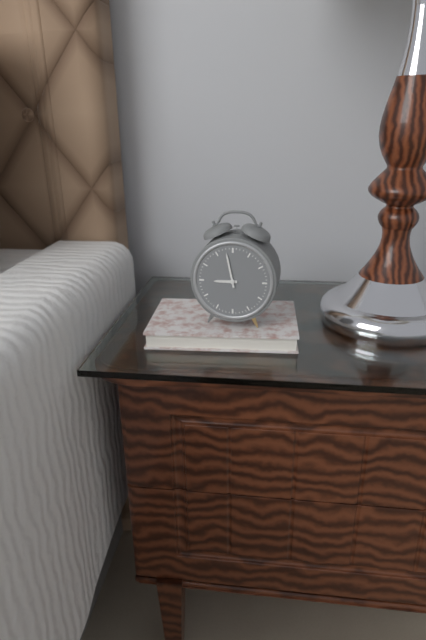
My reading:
8 h 58 min
